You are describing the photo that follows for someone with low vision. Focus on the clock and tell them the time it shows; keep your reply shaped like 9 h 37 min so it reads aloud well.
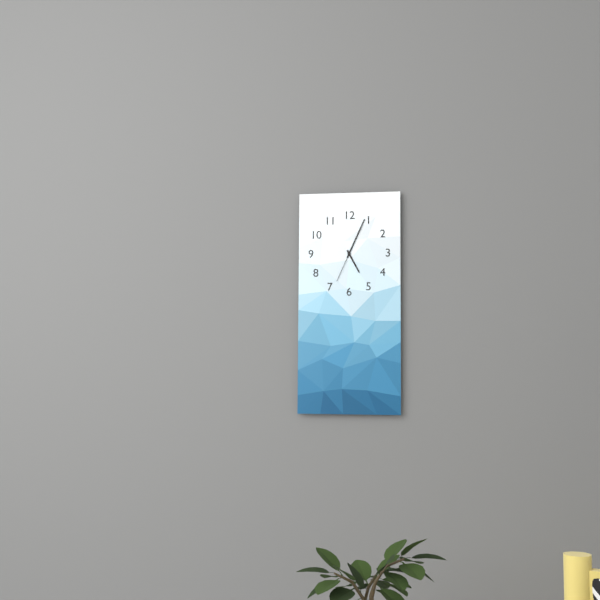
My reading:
5 h 04 min
